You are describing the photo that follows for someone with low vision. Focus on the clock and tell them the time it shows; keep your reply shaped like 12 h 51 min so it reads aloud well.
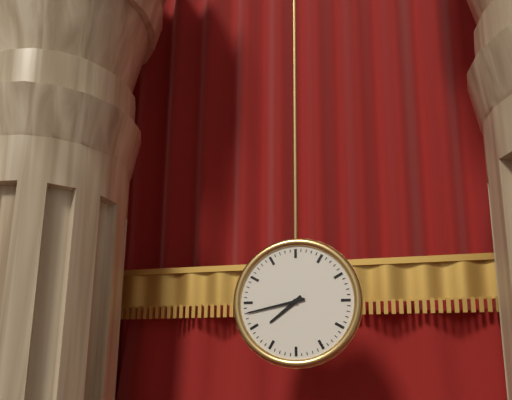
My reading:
7 h 43 min
